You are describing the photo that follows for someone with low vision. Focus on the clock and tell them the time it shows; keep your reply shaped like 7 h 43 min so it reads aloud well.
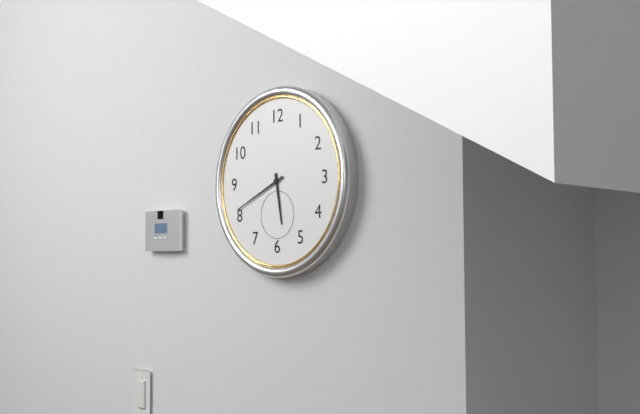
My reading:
5 h 41 min
